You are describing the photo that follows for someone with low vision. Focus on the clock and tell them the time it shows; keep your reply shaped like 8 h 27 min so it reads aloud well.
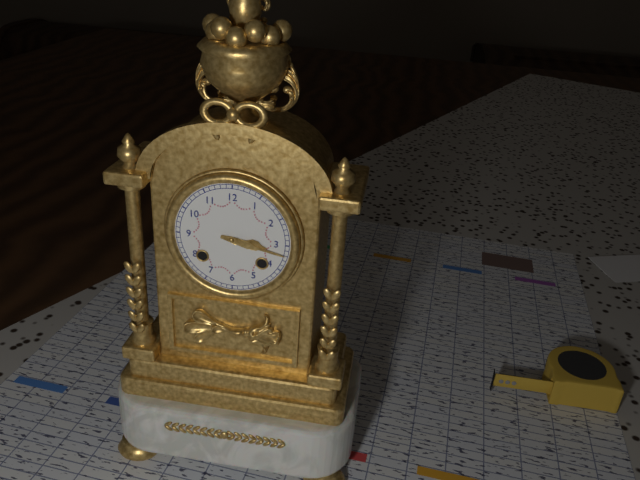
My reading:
3 h 17 min
